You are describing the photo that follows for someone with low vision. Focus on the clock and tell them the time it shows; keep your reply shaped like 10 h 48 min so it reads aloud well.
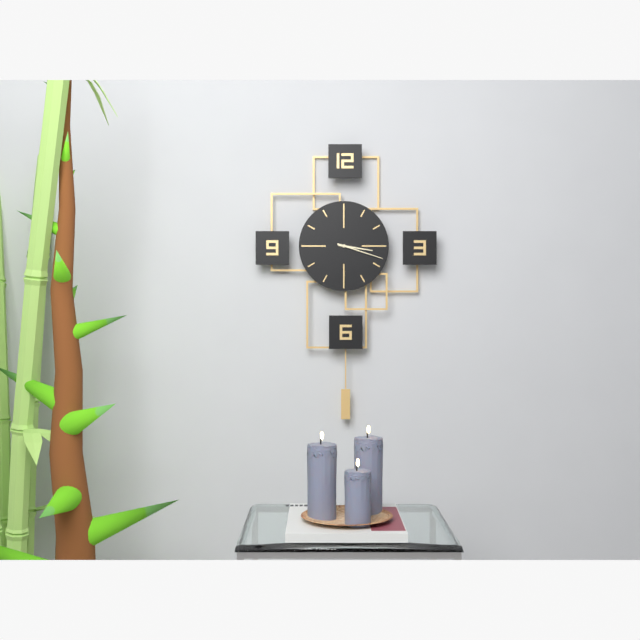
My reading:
3 h 18 min
